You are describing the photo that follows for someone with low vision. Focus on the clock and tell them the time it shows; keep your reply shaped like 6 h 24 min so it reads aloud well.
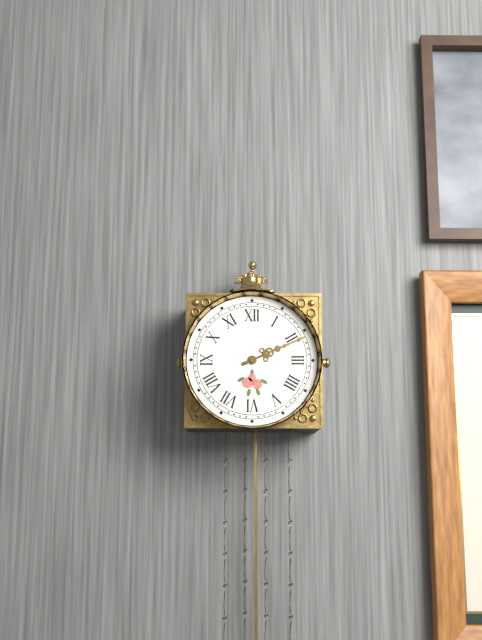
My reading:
2 h 11 min
